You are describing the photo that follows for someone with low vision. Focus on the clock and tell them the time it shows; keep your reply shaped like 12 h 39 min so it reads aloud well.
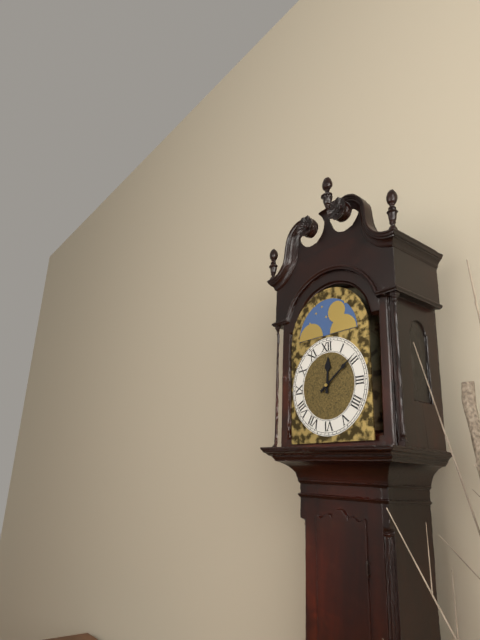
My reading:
12 h 09 min
